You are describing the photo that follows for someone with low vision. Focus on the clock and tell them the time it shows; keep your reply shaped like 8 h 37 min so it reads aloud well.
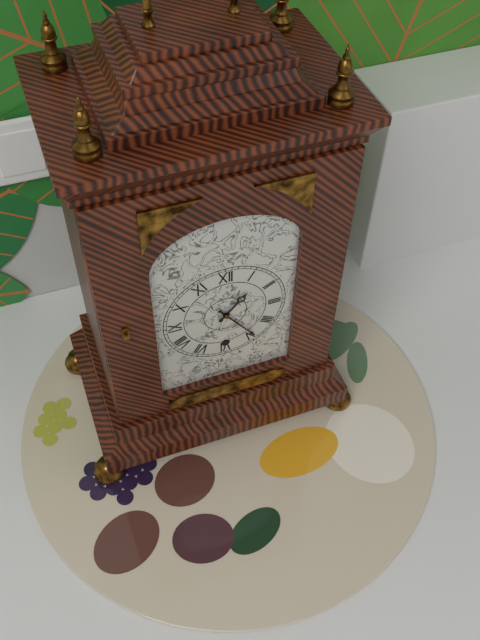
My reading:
1 h 24 min
